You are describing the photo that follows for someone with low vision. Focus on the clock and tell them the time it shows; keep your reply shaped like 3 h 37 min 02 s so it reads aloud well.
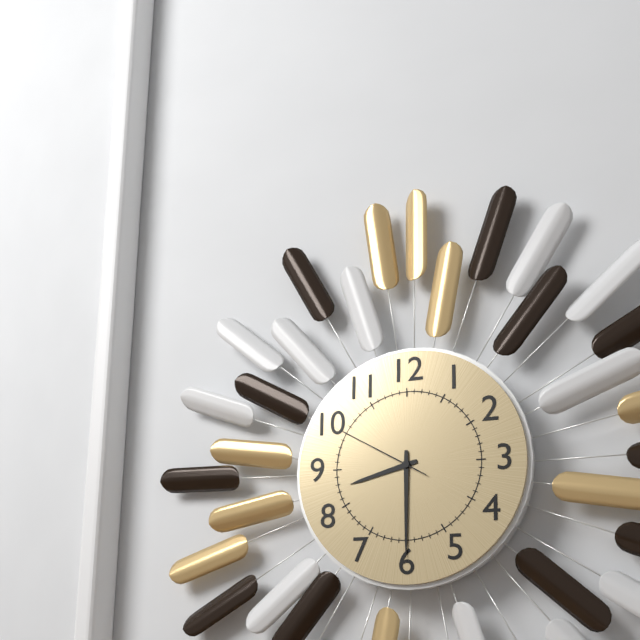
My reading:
8 h 30 min 50 s
